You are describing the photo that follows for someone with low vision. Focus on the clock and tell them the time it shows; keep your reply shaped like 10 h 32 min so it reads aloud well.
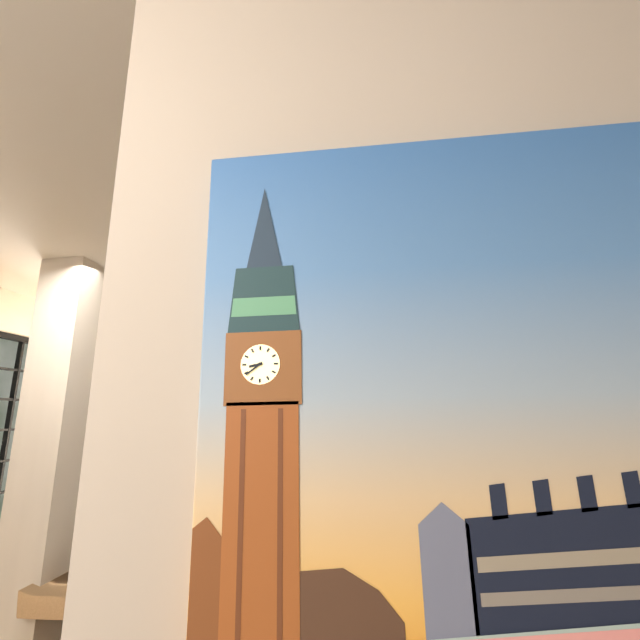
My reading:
8 h 39 min
